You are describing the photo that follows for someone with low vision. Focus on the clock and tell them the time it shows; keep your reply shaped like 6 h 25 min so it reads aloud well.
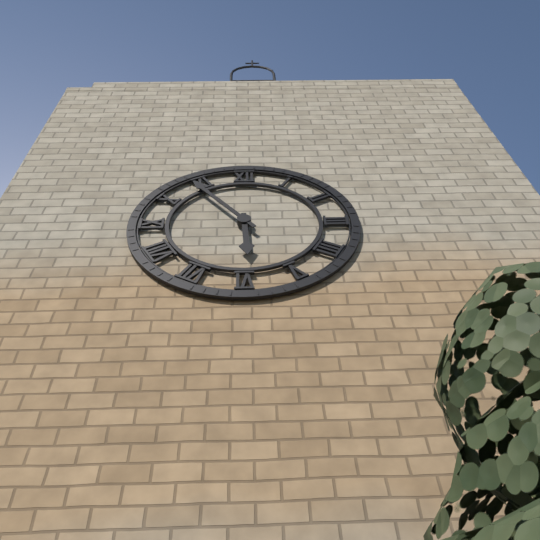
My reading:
5 h 54 min
